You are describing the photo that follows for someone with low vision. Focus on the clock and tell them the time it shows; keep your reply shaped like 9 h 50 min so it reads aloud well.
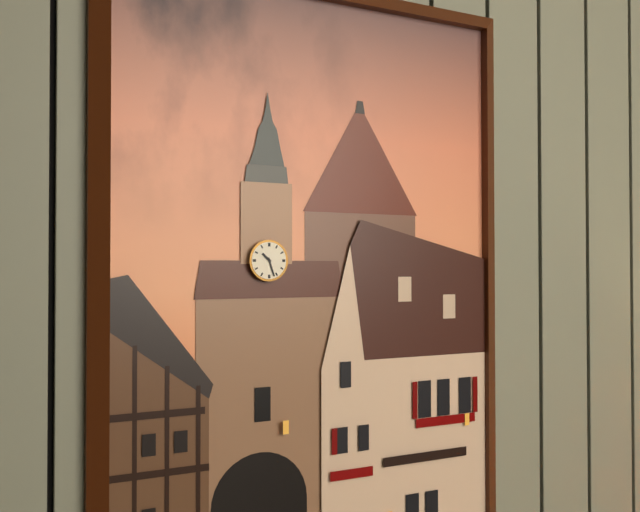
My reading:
10 h 27 min
